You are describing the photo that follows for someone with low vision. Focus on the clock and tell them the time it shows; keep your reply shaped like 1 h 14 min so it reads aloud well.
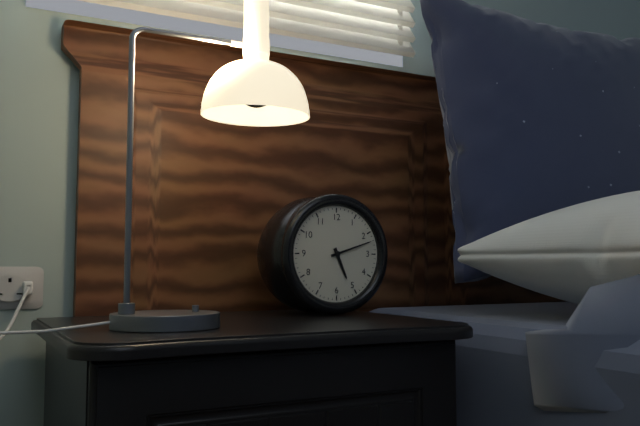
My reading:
5 h 12 min
